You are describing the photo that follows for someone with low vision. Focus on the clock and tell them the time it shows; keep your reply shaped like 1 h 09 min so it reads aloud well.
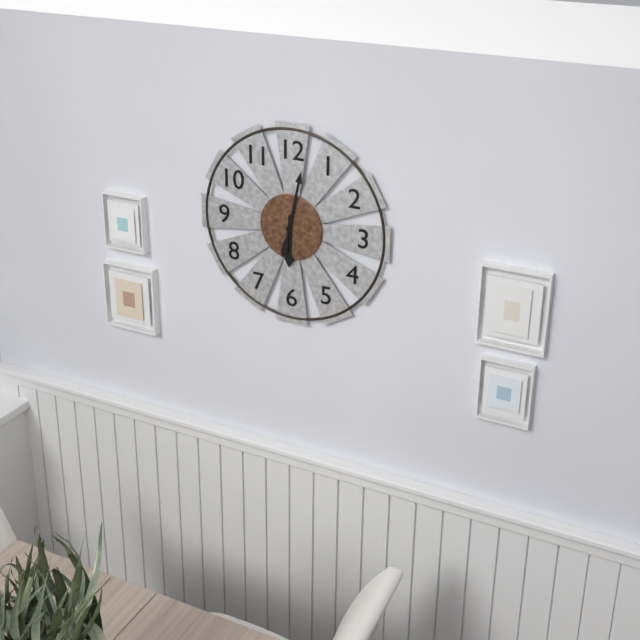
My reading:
6 h 02 min
